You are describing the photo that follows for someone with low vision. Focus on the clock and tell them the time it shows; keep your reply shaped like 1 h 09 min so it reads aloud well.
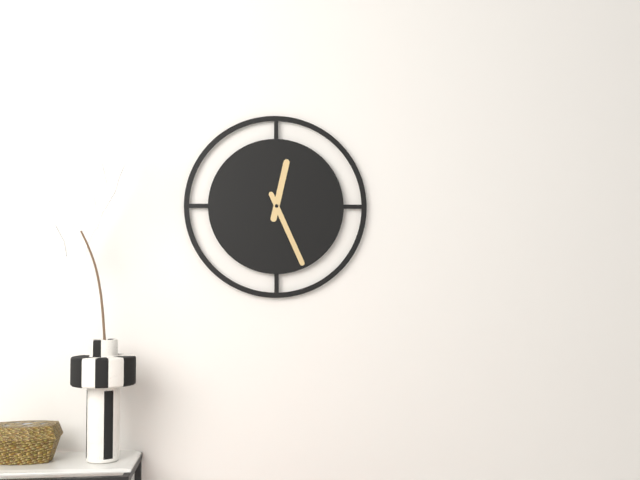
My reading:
12 h 26 min
